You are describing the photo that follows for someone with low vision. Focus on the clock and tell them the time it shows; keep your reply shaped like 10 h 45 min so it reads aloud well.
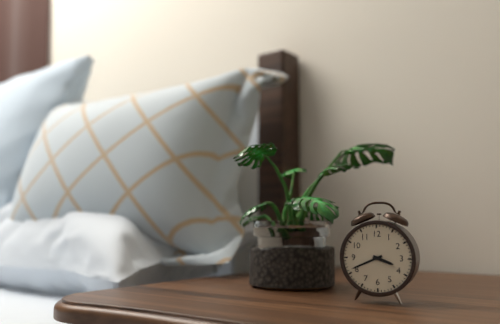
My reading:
3 h 41 min
